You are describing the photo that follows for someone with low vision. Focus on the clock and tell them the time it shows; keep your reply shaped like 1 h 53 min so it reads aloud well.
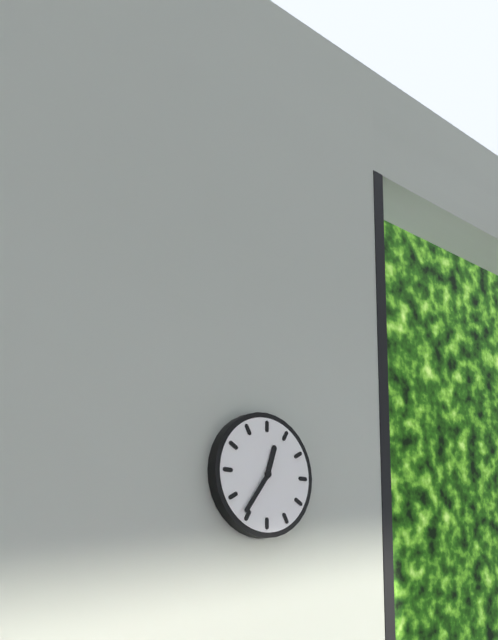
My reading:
12 h 36 min
